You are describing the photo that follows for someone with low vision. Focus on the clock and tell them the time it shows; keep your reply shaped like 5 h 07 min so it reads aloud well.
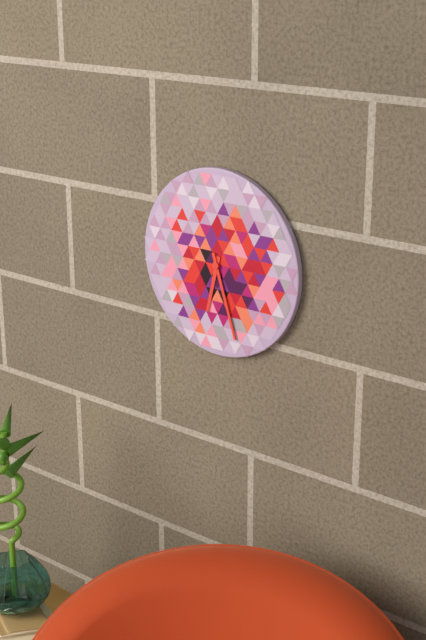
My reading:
6 h 27 min
